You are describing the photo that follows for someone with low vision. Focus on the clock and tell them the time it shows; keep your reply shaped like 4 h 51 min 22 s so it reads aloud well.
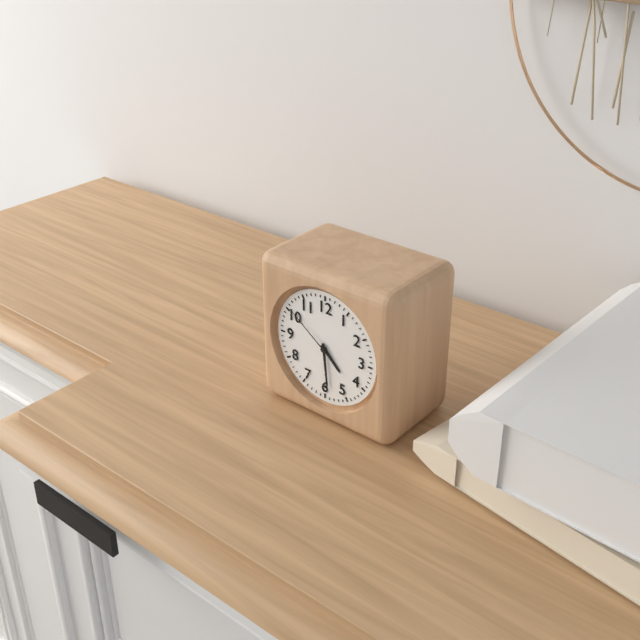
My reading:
4 h 29 min 51 s
